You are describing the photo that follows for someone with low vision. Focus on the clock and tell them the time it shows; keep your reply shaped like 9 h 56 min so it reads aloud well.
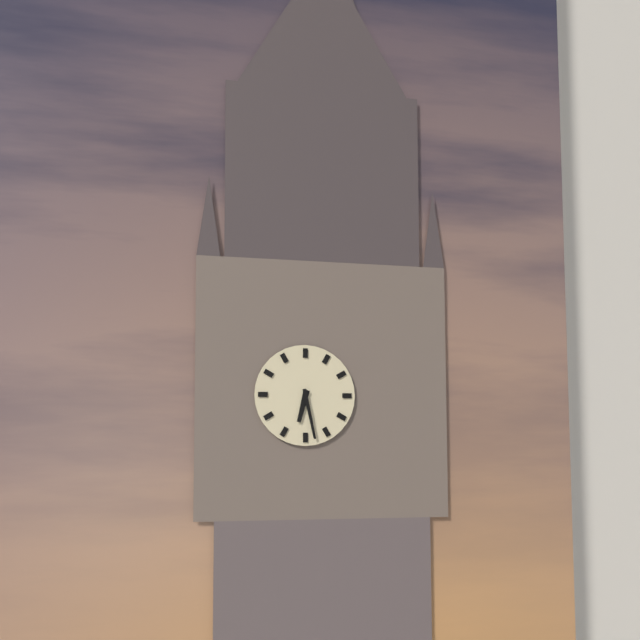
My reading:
6 h 28 min
